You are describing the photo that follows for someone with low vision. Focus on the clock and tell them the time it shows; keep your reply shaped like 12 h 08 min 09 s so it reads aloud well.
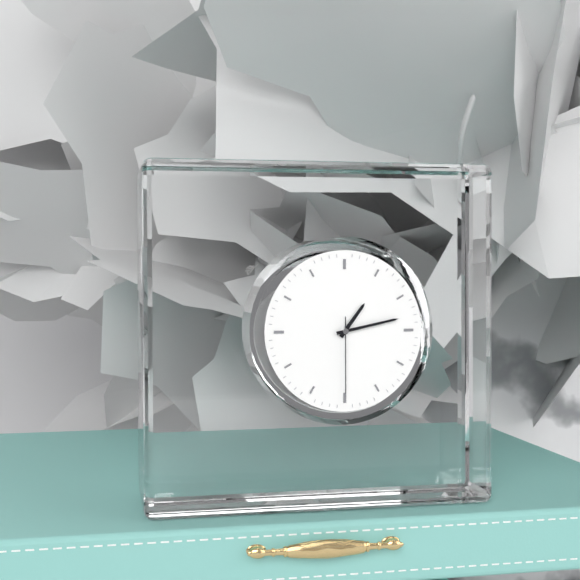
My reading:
1 h 13 min 30 s
